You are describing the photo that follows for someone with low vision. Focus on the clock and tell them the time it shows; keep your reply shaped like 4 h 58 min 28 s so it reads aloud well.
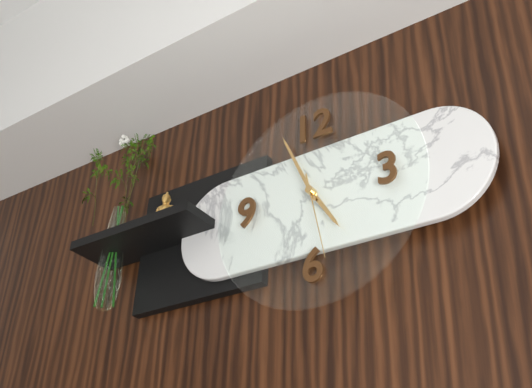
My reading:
4 h 56 min 28 s
